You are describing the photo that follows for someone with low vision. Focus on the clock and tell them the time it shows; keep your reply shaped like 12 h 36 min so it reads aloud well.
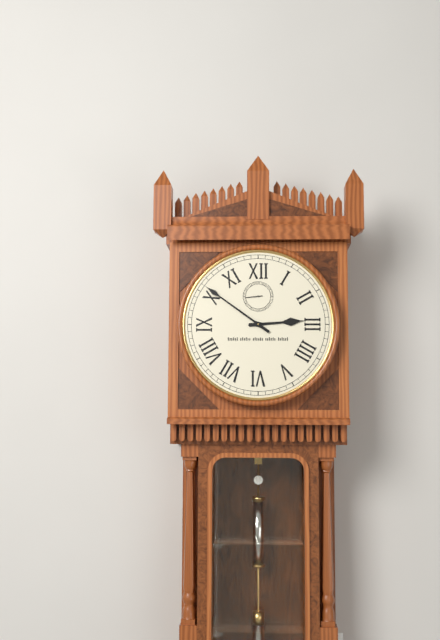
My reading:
2 h 51 min
